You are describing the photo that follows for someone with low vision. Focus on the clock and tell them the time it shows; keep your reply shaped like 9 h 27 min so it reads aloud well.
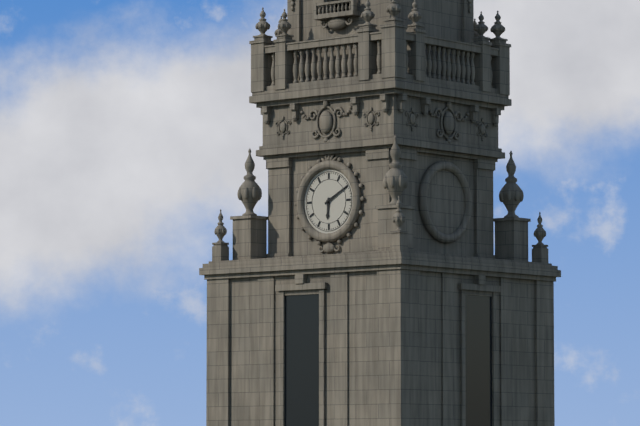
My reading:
6 h 10 min
